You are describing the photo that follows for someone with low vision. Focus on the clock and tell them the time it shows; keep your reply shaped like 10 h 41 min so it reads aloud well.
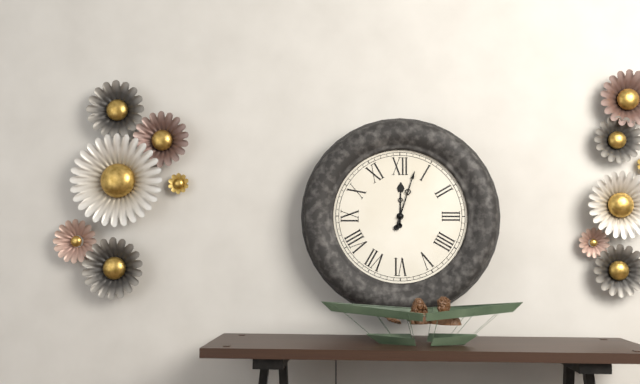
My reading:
12 h 03 min
